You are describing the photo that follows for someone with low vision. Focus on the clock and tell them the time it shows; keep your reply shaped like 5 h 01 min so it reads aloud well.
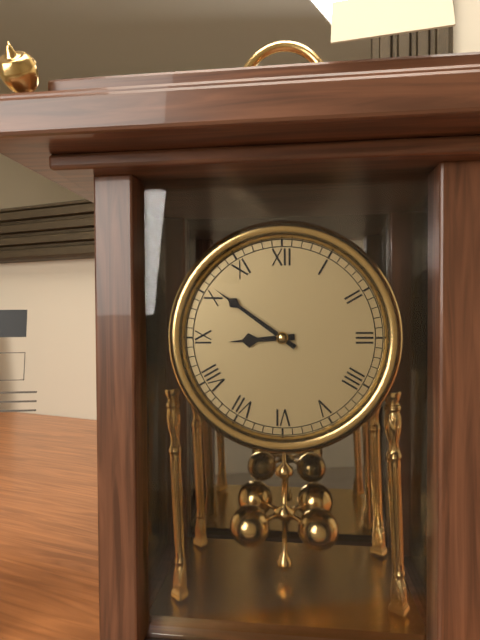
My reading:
8 h 51 min
